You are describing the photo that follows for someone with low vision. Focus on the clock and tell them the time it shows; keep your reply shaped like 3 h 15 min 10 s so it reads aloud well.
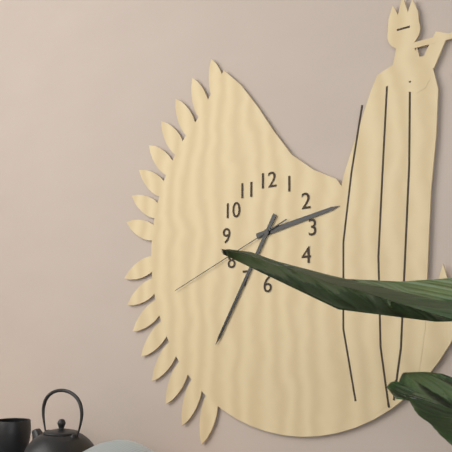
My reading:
2 h 35 min 41 s
